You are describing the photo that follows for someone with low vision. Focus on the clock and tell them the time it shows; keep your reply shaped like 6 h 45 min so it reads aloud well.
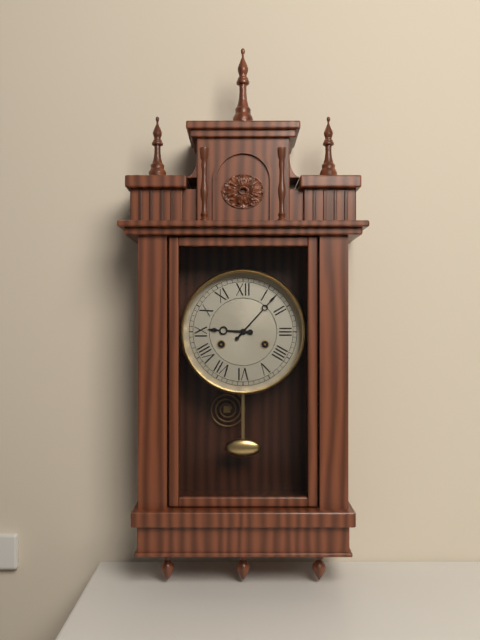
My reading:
9 h 07 min
